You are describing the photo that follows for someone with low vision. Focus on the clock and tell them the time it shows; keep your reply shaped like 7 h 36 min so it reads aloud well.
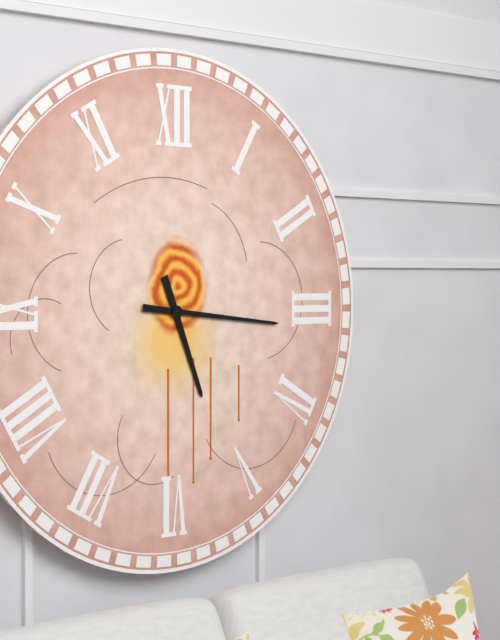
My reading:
5 h 16 min
